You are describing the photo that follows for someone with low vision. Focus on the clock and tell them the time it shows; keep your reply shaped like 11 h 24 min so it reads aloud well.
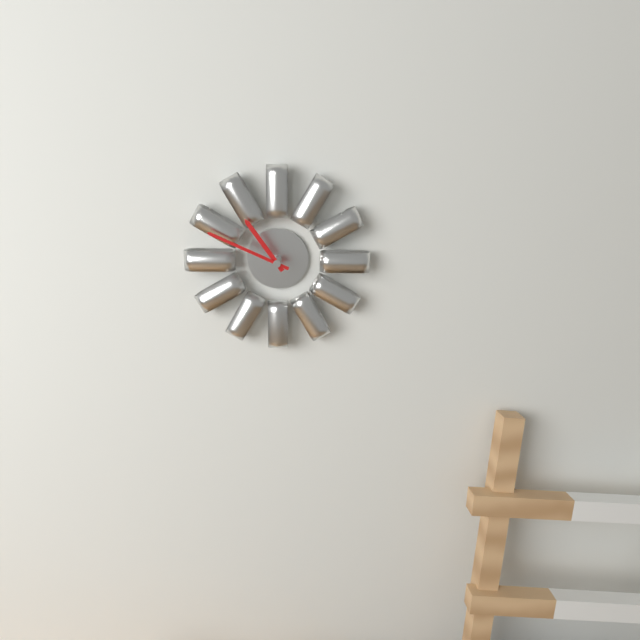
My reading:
10 h 49 min
